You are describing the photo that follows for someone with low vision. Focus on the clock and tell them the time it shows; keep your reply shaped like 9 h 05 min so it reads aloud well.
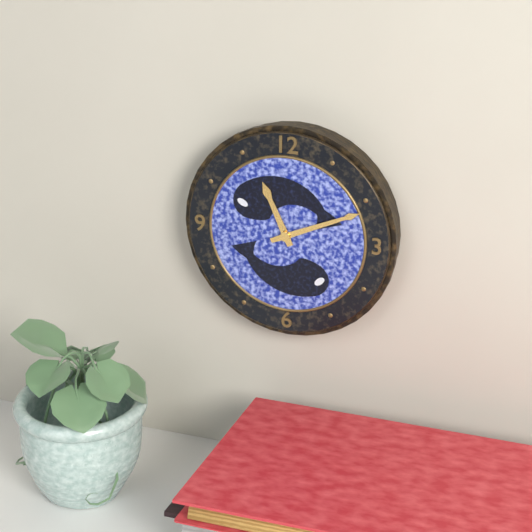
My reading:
11 h 11 min
